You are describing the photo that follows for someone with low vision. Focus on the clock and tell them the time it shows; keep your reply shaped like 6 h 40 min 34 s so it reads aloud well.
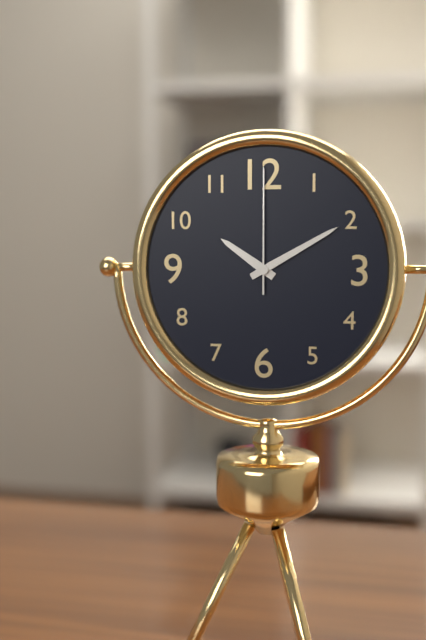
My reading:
10 h 10 min 00 s
